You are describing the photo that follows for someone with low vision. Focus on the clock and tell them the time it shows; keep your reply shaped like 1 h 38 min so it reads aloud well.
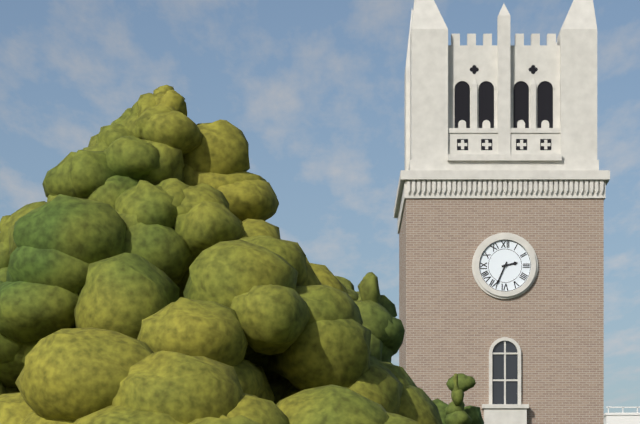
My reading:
2 h 34 min
